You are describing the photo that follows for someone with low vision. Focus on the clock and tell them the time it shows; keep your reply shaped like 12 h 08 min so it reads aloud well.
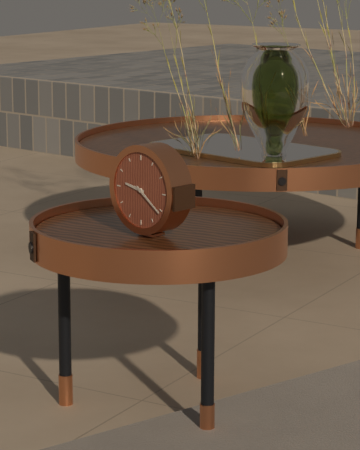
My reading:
9 h 21 min
